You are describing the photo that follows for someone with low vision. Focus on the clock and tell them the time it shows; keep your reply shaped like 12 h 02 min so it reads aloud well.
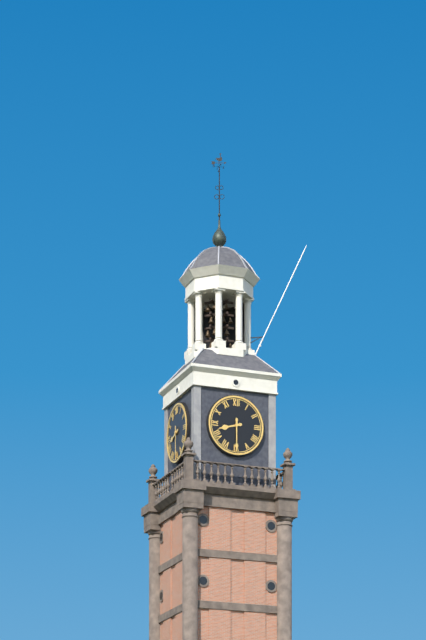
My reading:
8 h 30 min
